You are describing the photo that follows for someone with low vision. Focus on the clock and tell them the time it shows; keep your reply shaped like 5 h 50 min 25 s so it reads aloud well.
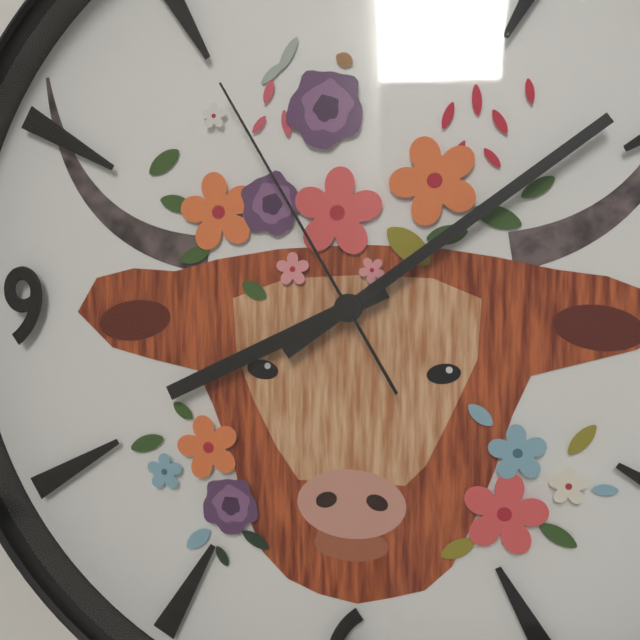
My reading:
8 h 09 min 55 s
